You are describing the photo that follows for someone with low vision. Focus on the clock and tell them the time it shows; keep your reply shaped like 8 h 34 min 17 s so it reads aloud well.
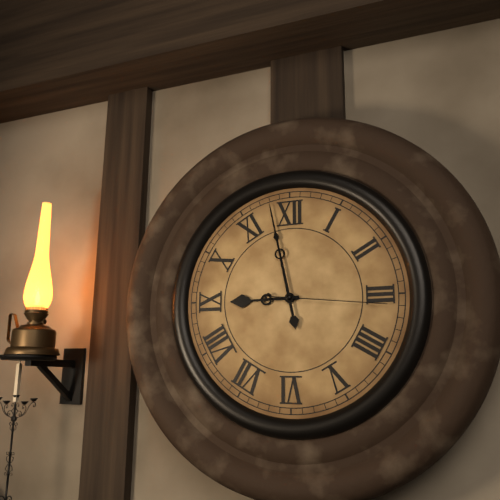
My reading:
8 h 58 min 16 s
